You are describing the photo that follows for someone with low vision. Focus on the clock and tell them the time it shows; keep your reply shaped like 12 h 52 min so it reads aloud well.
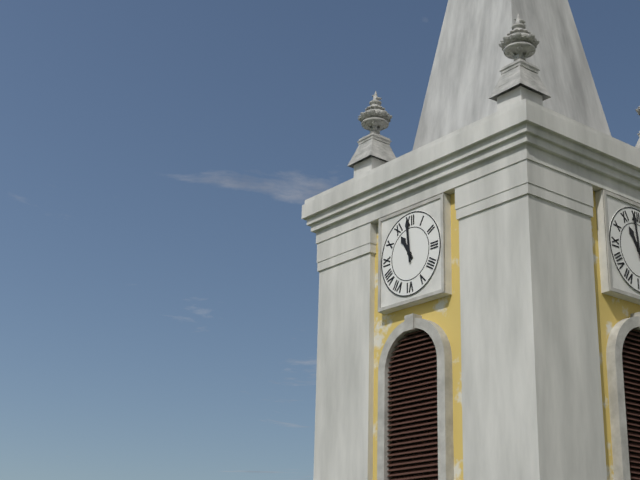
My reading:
10 h 59 min
